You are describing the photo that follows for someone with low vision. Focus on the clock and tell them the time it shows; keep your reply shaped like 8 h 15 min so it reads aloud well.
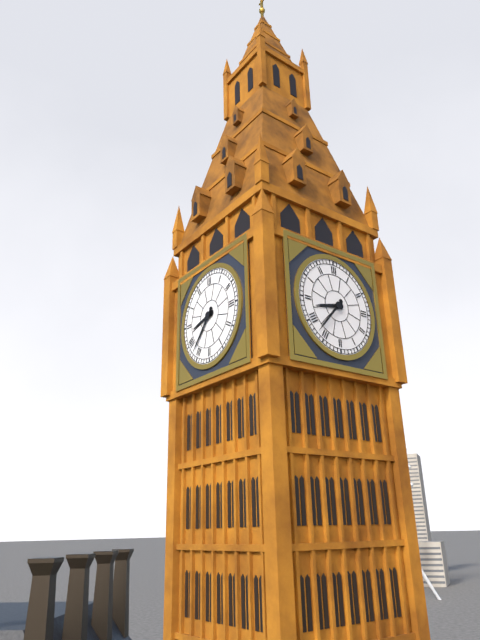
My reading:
8 h 37 min
